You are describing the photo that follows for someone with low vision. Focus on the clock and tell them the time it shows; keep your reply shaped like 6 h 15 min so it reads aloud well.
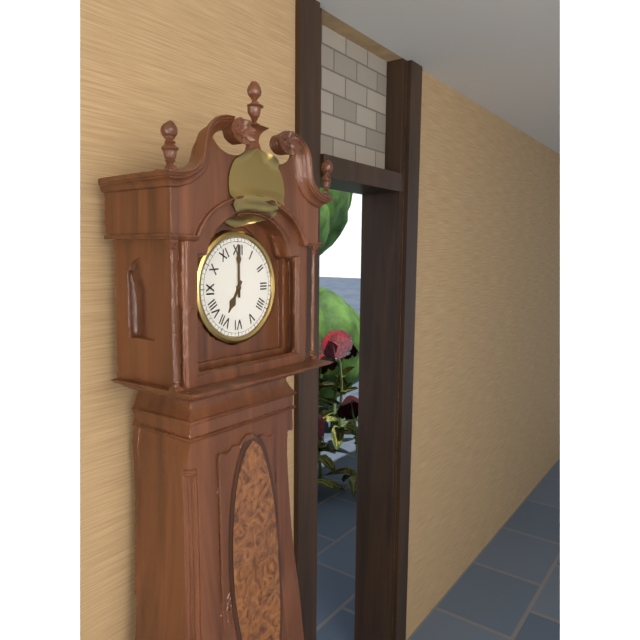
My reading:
7 h 00 min
